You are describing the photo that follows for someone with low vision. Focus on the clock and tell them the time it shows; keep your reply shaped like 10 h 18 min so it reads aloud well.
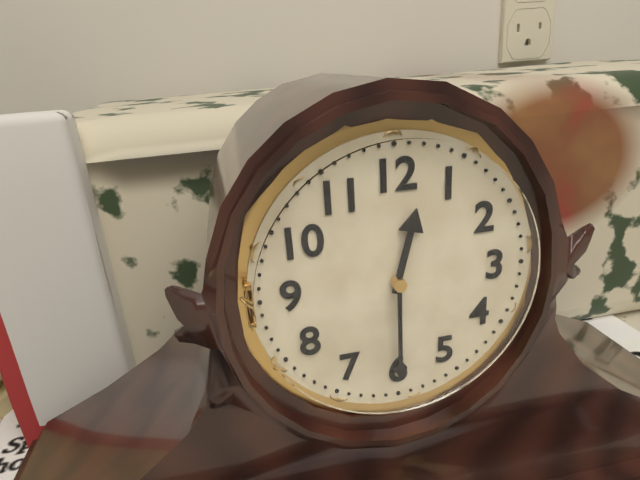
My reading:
12 h 30 min
